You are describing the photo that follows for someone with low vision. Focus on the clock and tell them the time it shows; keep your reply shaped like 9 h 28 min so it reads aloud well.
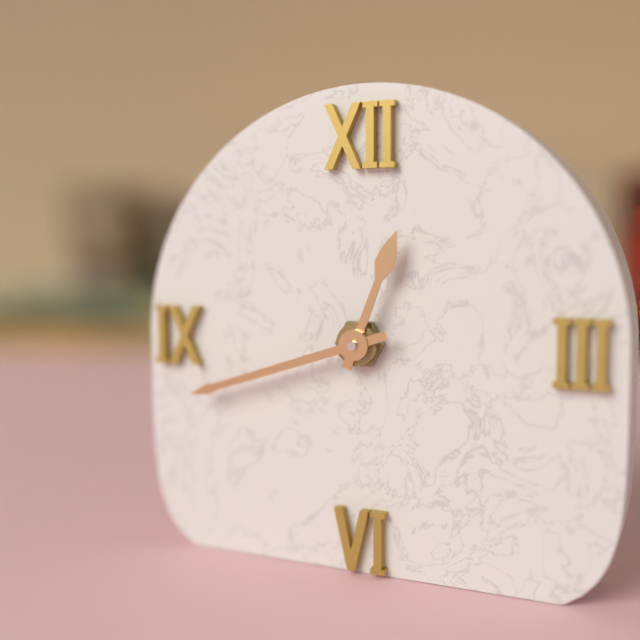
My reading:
12 h 42 min
